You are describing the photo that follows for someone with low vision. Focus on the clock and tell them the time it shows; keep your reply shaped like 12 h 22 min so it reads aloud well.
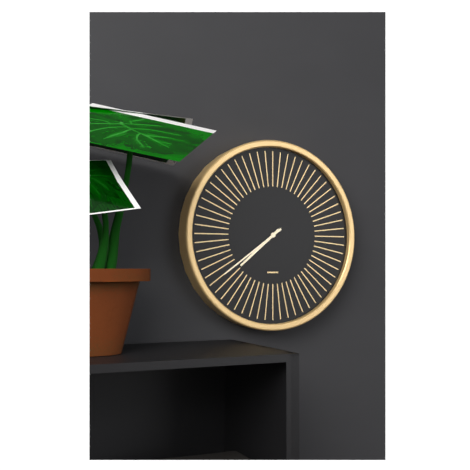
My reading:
7 h 39 min
